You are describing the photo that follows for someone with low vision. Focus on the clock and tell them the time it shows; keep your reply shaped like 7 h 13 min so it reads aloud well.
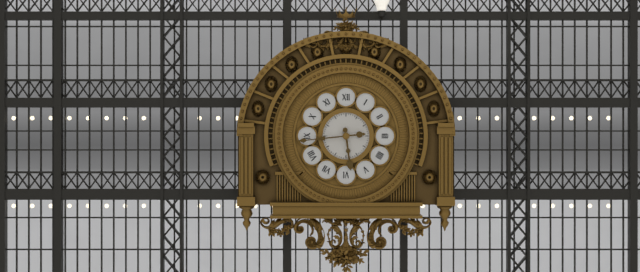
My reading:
5 h 44 min
